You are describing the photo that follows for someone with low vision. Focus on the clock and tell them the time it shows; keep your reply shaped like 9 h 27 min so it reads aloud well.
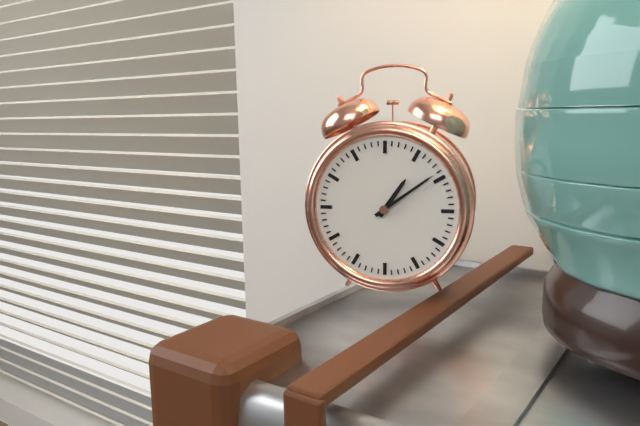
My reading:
1 h 09 min
